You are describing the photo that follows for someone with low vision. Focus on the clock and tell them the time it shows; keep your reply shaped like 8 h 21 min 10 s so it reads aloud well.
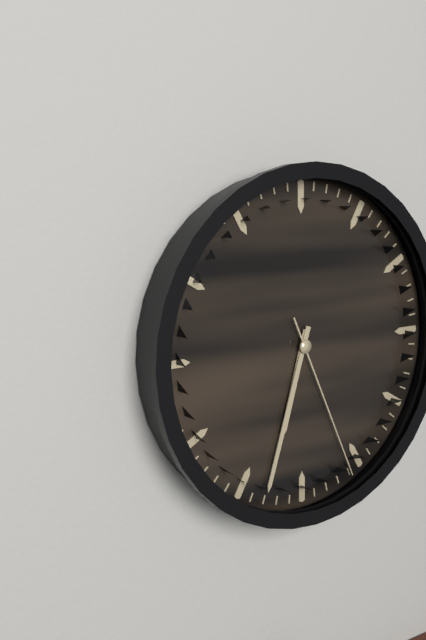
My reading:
6 h 33 min 26 s
